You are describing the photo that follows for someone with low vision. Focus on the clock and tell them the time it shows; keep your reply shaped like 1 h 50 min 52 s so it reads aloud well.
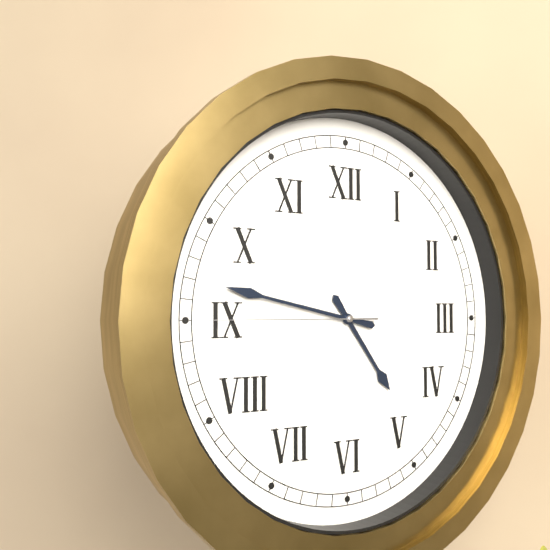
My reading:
4 h 47 min 45 s
